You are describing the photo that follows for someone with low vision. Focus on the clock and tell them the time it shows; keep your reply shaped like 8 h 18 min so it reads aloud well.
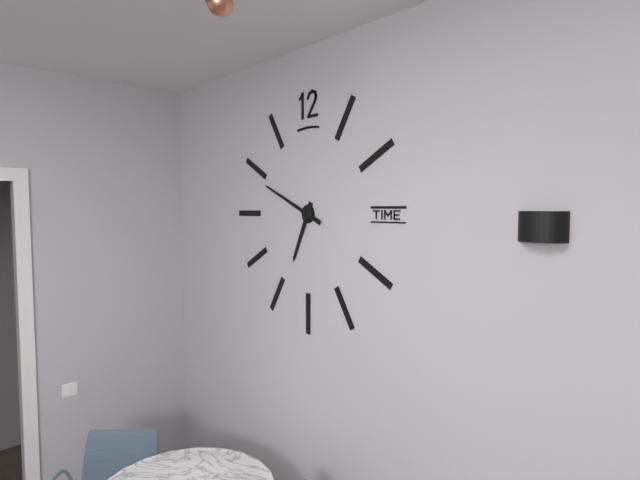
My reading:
6 h 49 min
